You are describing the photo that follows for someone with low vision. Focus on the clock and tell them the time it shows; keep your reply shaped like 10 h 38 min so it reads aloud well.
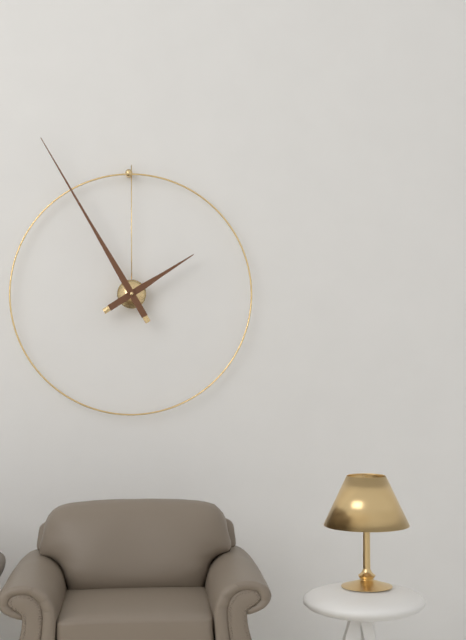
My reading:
1 h 55 min
